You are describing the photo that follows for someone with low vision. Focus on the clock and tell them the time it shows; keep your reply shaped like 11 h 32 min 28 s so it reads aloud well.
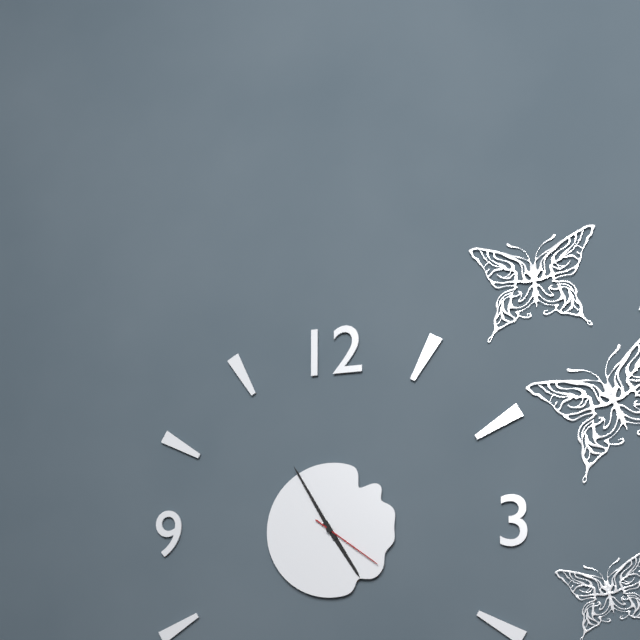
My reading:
4 h 55 min 21 s
